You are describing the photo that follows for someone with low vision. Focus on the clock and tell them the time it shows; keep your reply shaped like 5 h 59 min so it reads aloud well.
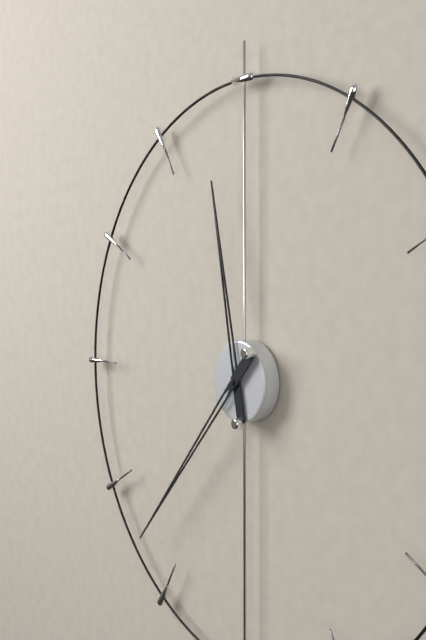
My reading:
11 h 37 min
